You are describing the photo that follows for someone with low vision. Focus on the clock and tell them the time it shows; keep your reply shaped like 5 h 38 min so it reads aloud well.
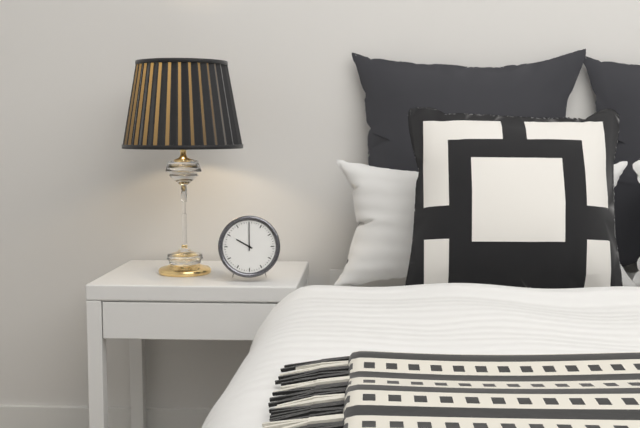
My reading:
10 h 00 min
